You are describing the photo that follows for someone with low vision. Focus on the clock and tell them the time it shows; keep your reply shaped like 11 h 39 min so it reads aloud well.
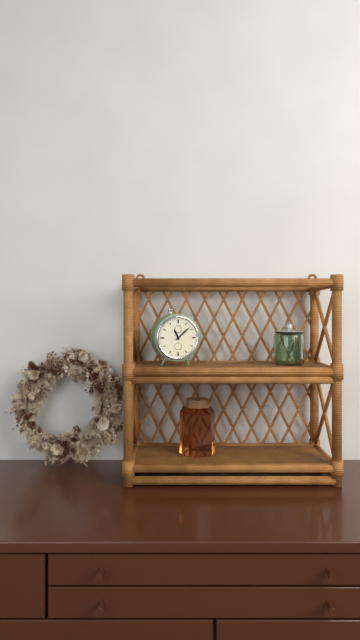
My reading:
11 h 08 min
